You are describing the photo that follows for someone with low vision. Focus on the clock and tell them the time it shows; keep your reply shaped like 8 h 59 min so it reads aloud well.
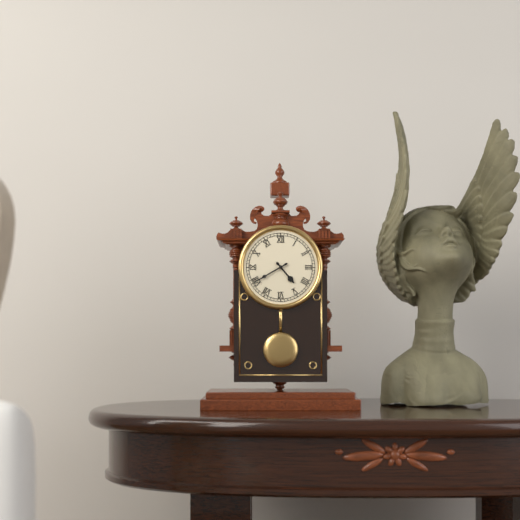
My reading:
4 h 40 min
